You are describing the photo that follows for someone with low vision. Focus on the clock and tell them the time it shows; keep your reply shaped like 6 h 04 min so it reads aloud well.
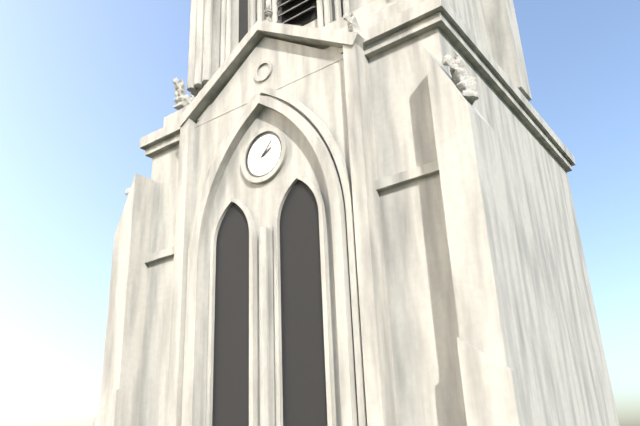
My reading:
2 h 07 min
